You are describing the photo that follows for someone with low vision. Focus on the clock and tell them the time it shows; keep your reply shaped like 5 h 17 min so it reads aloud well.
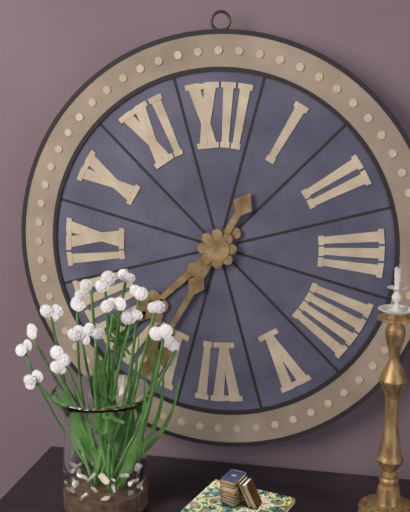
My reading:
7 h 35 min
